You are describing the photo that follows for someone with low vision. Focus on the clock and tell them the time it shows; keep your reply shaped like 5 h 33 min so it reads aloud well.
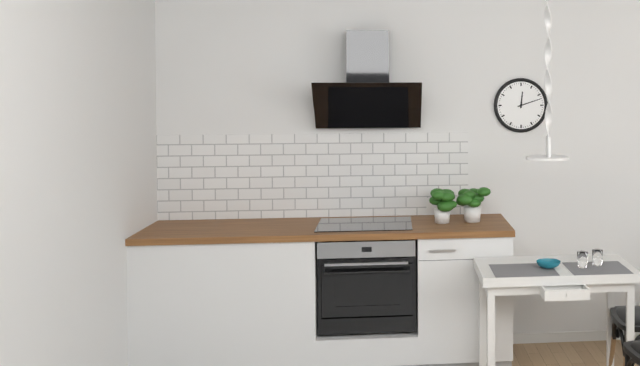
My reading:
12 h 12 min
